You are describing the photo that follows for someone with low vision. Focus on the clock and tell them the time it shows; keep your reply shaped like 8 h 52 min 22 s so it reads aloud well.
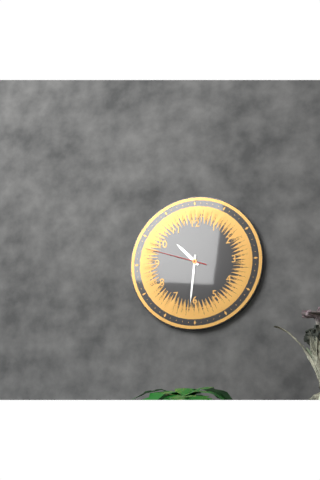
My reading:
10 h 31 min 48 s
